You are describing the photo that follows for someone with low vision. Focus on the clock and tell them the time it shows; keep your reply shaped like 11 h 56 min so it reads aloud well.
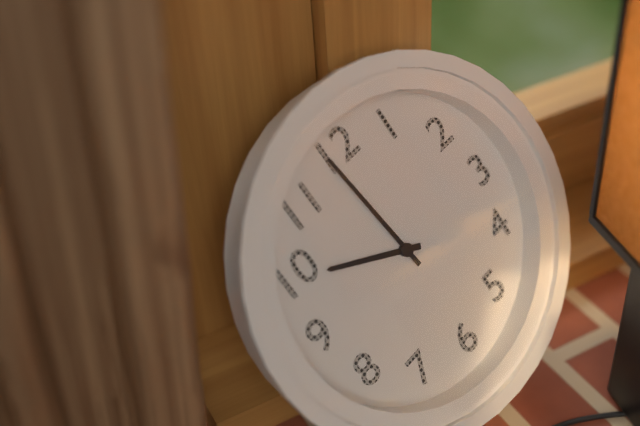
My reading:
9 h 59 min
